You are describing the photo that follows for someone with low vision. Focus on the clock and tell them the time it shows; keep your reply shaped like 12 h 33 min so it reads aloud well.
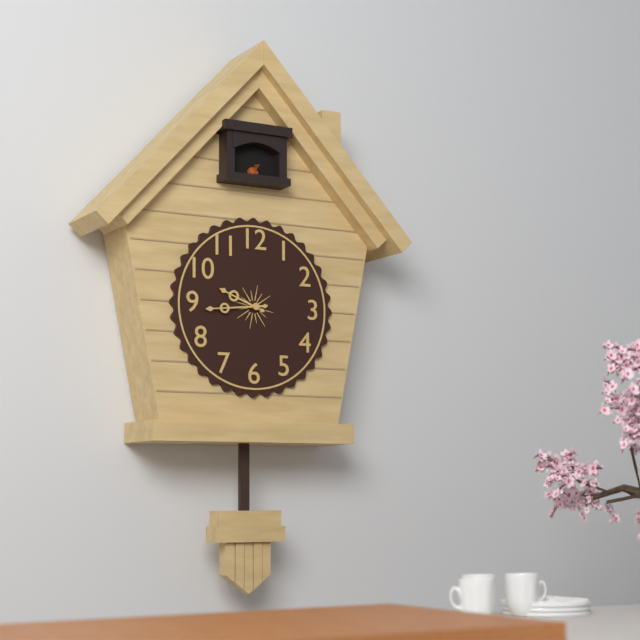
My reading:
9 h 44 min
